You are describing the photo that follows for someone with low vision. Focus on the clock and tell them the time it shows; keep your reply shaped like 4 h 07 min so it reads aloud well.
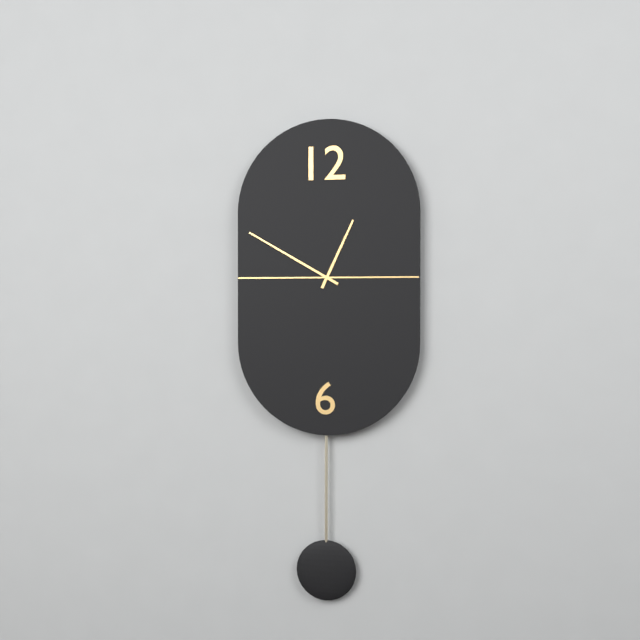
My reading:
12 h 50 min
